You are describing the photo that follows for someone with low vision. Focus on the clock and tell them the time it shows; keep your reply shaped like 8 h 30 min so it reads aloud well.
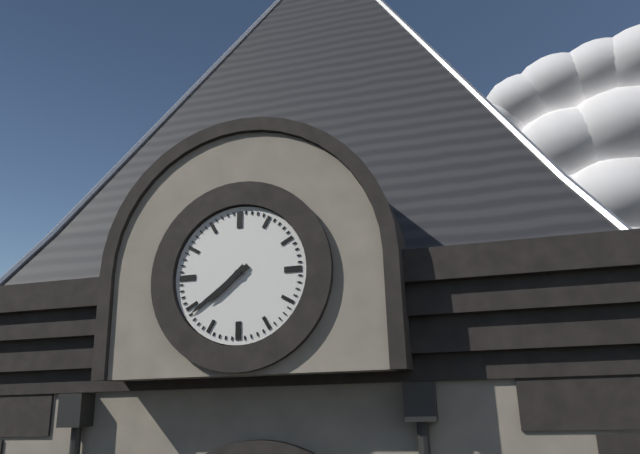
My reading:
7 h 39 min
